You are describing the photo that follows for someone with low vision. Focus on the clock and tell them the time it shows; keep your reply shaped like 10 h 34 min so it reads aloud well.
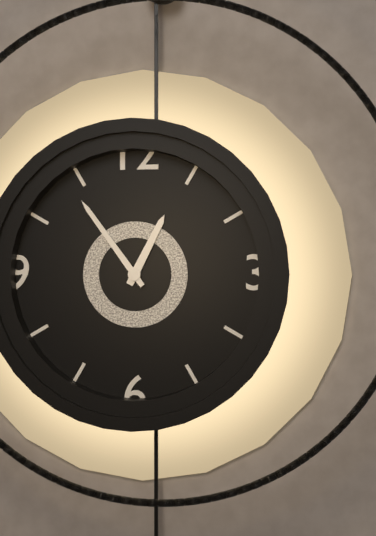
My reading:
12 h 54 min
